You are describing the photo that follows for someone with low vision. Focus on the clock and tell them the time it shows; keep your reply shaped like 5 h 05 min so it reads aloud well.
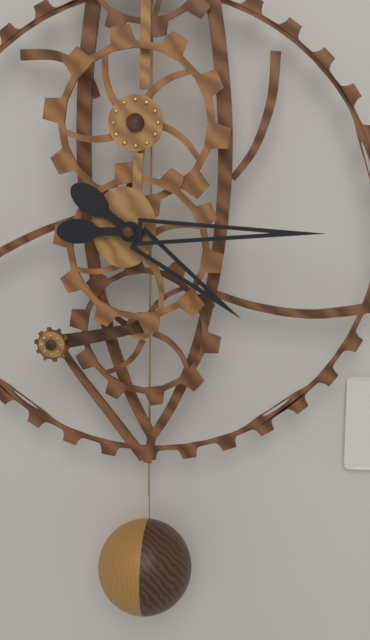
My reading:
4 h 15 min
